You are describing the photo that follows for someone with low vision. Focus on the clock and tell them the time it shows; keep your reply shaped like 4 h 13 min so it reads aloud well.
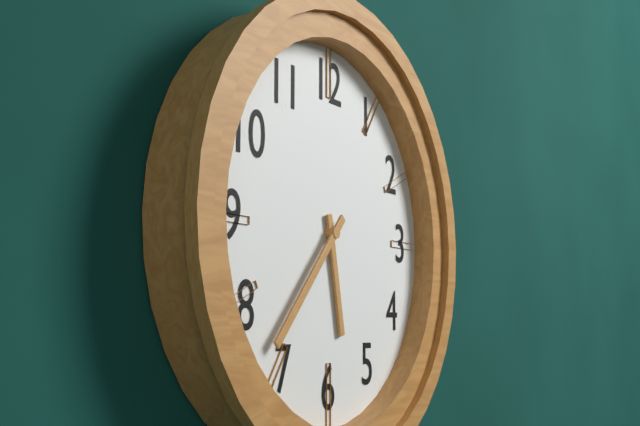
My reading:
5 h 37 min
